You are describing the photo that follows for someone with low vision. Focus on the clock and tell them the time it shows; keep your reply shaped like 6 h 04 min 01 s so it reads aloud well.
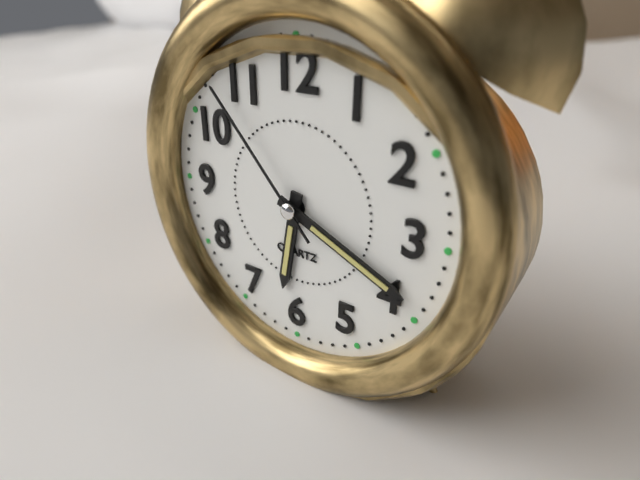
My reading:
6 h 19 min 53 s
